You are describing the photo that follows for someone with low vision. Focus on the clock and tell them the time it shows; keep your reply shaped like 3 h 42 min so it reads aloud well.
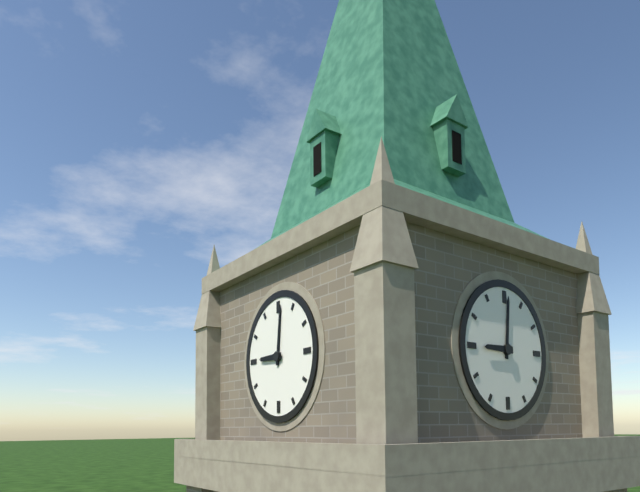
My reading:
9 h 01 min
